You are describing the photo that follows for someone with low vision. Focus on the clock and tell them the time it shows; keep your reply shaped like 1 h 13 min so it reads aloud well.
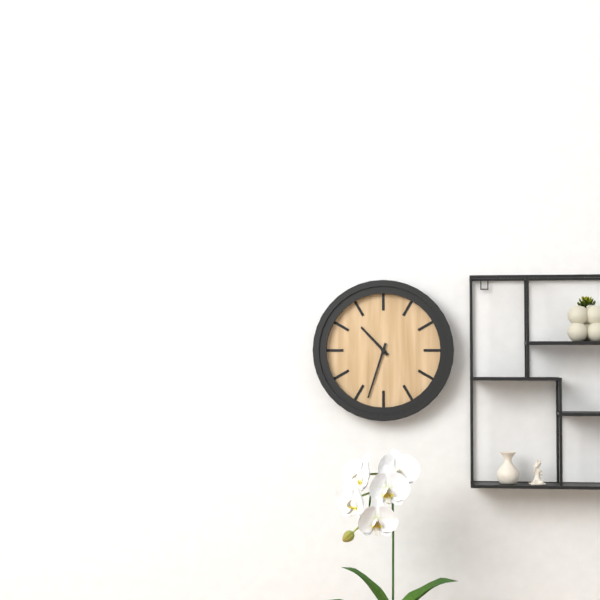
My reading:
10 h 33 min
